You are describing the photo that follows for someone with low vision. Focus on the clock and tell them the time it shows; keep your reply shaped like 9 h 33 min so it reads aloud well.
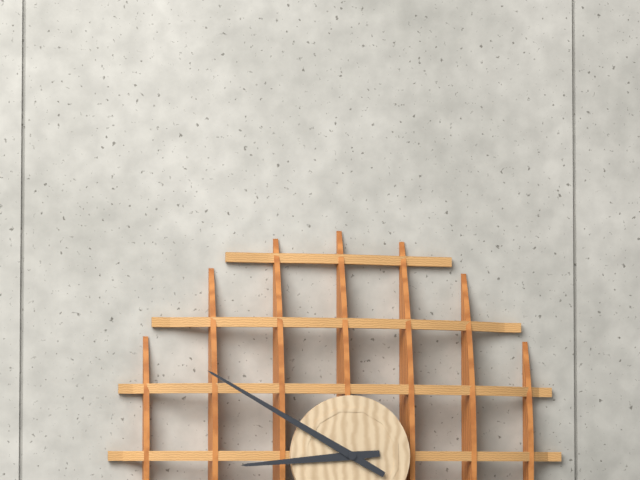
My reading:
8 h 50 min
